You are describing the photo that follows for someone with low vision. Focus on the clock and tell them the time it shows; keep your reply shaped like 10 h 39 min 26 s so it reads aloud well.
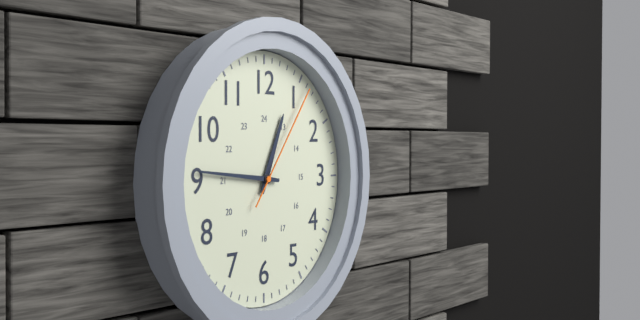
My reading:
12 h 46 min 06 s
